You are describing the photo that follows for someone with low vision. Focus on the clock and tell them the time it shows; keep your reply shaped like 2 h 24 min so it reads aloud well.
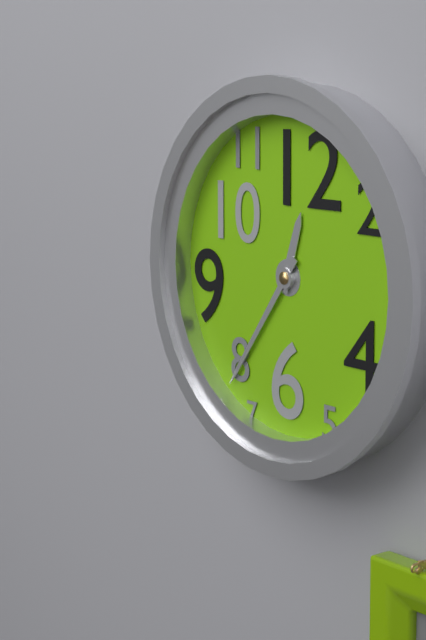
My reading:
12 h 36 min
